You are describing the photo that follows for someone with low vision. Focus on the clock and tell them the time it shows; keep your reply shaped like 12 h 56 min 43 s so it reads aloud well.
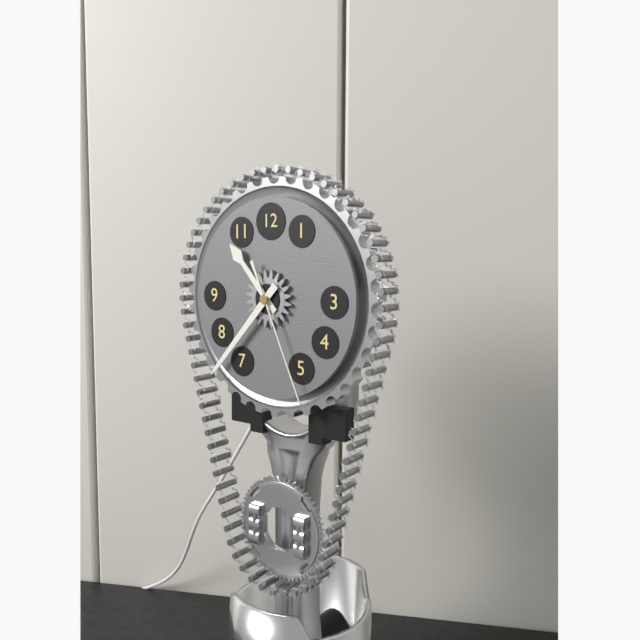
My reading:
10 h 37 min 26 s
